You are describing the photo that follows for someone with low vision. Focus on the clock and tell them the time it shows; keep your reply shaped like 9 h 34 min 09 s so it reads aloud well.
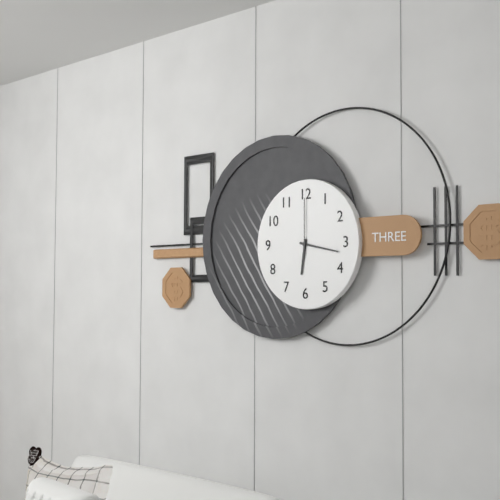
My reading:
6 h 17 min 00 s
